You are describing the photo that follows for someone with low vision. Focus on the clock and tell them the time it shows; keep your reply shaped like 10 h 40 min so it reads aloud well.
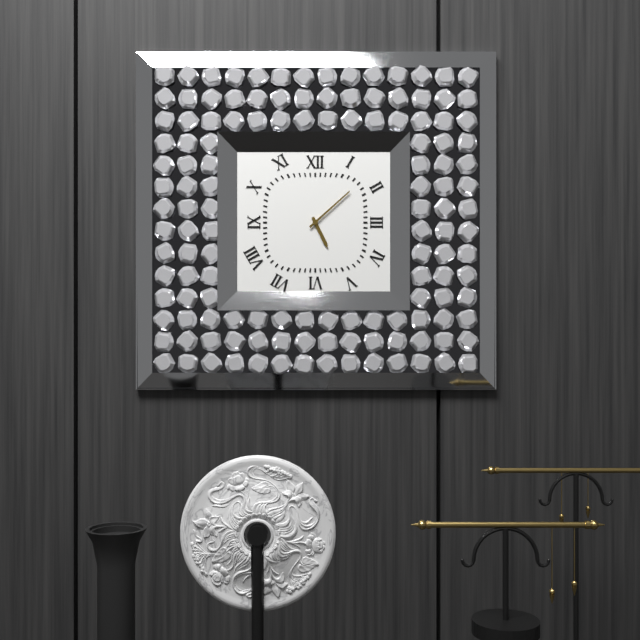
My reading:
5 h 08 min
